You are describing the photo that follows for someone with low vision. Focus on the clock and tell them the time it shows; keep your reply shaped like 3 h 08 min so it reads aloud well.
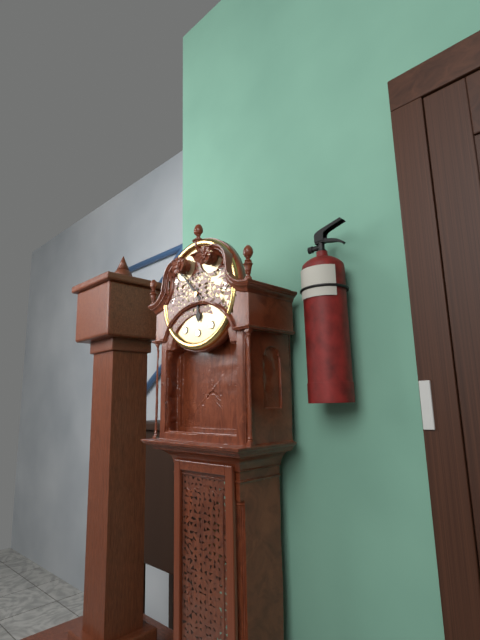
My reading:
5 h 53 min
